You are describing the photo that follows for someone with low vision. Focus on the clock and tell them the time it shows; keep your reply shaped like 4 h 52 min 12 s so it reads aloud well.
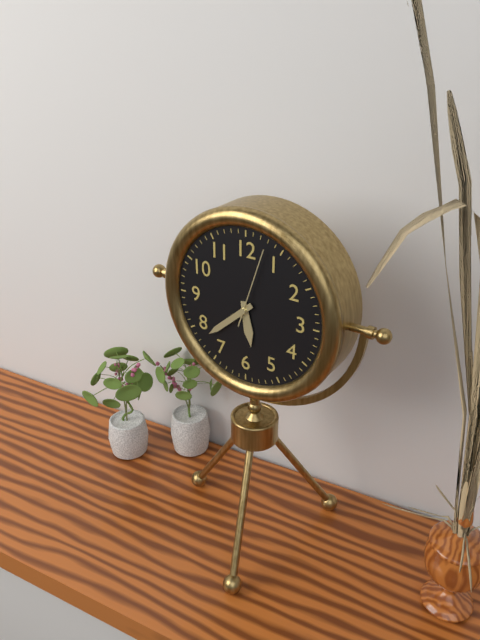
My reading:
5 h 38 min 03 s
